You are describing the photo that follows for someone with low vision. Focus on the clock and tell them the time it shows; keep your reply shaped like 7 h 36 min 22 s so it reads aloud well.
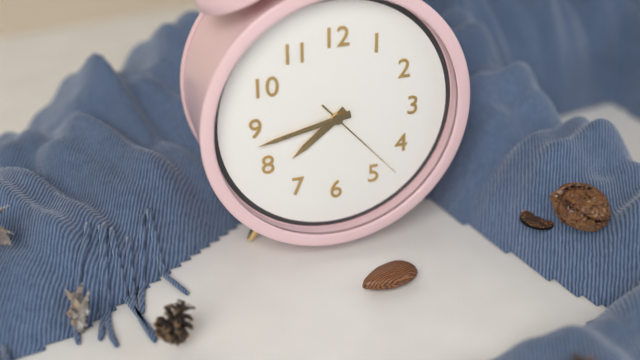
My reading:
7 h 43 min 23 s
